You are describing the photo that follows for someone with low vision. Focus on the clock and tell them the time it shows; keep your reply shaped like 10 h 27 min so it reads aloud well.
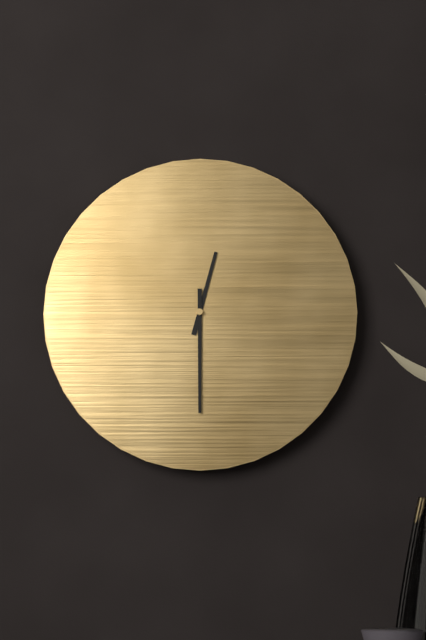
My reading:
12 h 30 min
